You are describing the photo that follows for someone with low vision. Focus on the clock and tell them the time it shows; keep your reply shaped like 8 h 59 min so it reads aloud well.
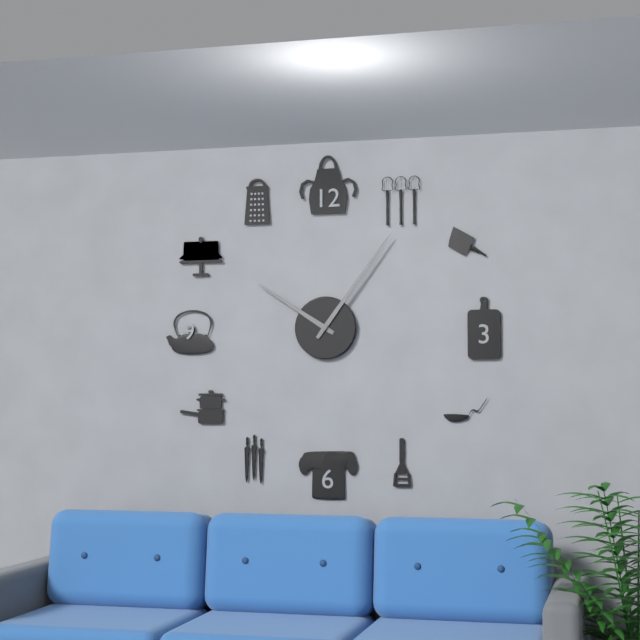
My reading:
10 h 06 min
